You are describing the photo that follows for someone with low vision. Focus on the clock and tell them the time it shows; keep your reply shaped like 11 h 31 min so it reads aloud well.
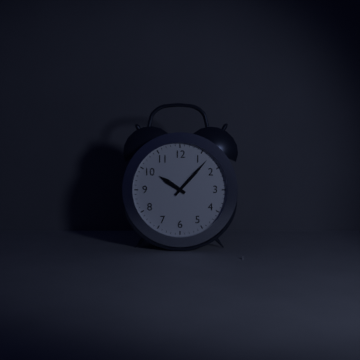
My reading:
10 h 07 min
